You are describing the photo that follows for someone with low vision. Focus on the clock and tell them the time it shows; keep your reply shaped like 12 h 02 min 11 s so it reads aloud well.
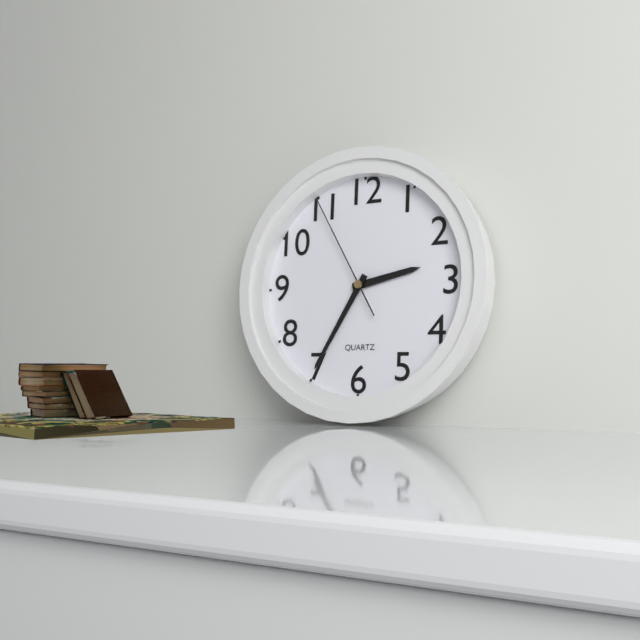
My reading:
2 h 35 min 55 s
